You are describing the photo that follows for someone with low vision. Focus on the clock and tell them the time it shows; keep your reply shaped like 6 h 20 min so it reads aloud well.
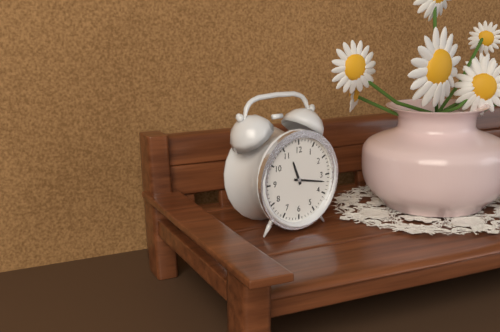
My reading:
11 h 17 min
